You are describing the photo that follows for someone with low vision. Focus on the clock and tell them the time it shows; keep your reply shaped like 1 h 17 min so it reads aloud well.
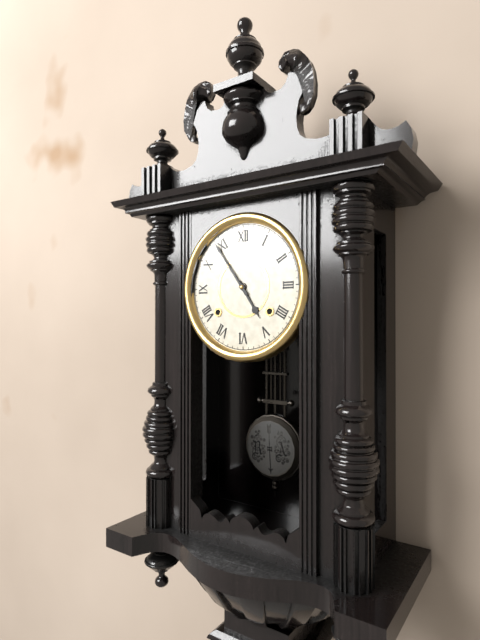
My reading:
4 h 54 min
